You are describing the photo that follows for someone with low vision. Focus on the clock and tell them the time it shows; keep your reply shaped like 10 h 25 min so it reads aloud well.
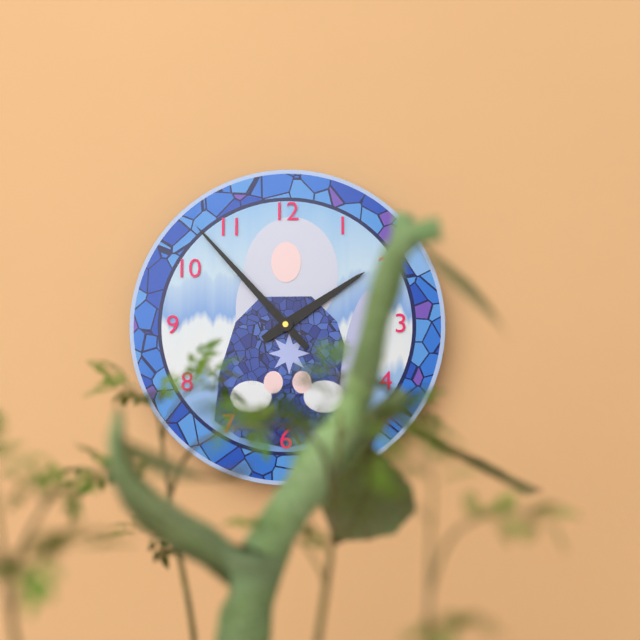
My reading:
1 h 53 min
